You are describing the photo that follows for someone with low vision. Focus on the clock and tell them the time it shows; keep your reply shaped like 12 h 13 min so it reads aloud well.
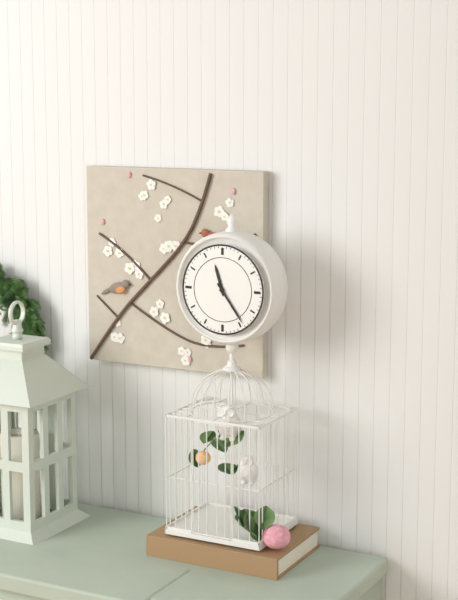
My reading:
11 h 24 min
